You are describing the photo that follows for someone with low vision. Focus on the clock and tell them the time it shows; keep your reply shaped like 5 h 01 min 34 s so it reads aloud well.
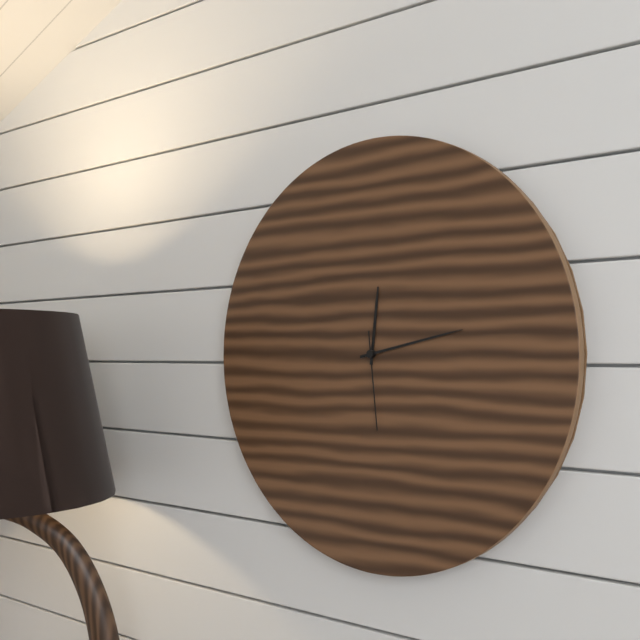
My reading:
12 h 13 min 29 s
